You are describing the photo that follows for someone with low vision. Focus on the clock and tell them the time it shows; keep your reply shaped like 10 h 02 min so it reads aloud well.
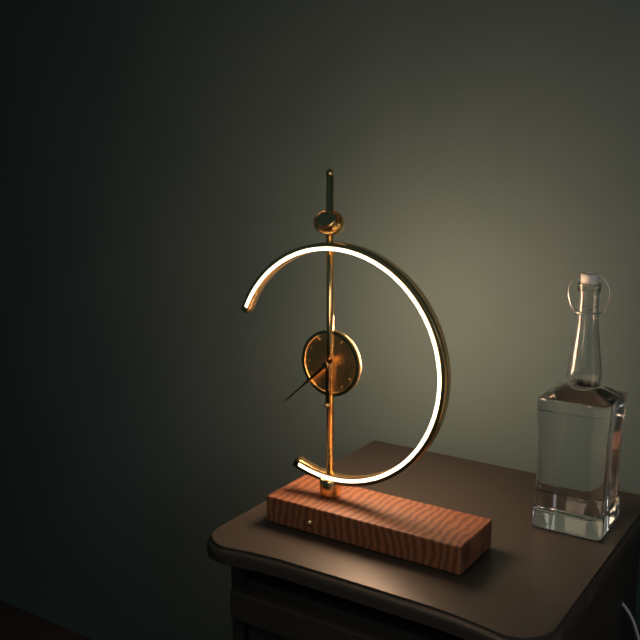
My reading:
7 h 38 min
